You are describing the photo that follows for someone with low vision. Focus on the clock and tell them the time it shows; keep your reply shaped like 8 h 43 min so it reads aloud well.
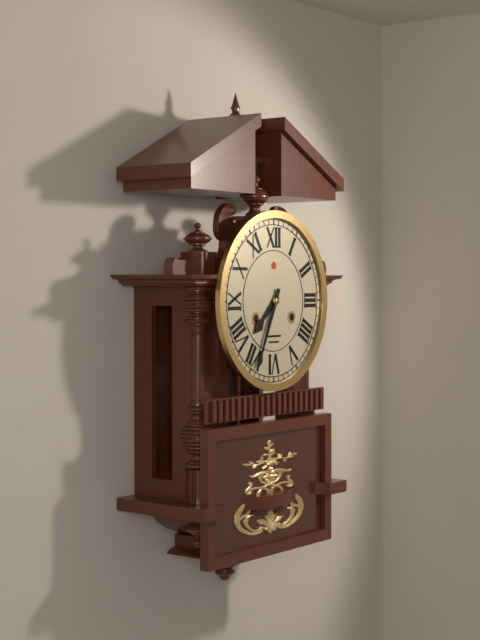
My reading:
7 h 34 min
